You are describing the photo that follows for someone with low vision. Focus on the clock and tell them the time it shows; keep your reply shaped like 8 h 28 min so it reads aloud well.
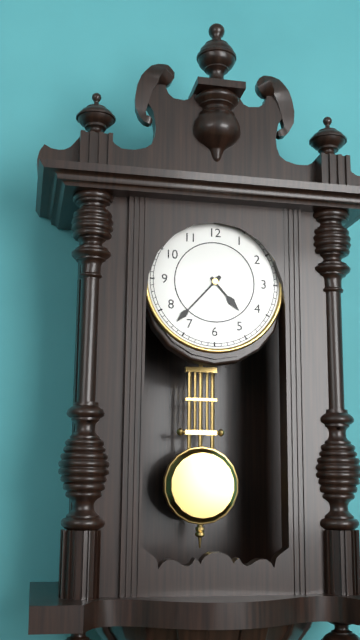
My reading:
4 h 37 min
